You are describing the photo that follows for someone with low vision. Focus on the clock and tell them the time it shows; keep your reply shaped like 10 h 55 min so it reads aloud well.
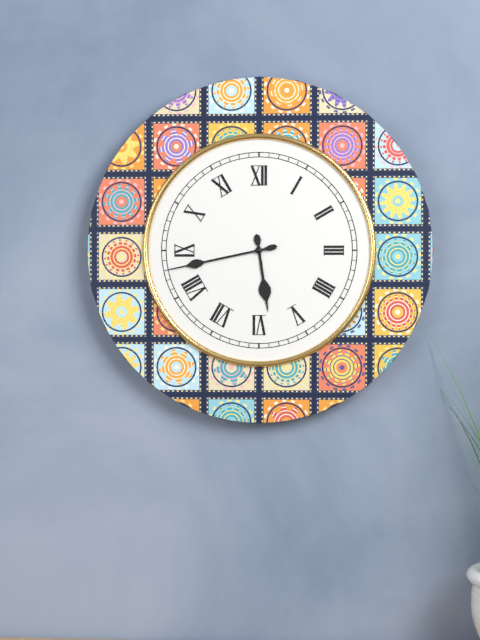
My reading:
5 h 43 min
